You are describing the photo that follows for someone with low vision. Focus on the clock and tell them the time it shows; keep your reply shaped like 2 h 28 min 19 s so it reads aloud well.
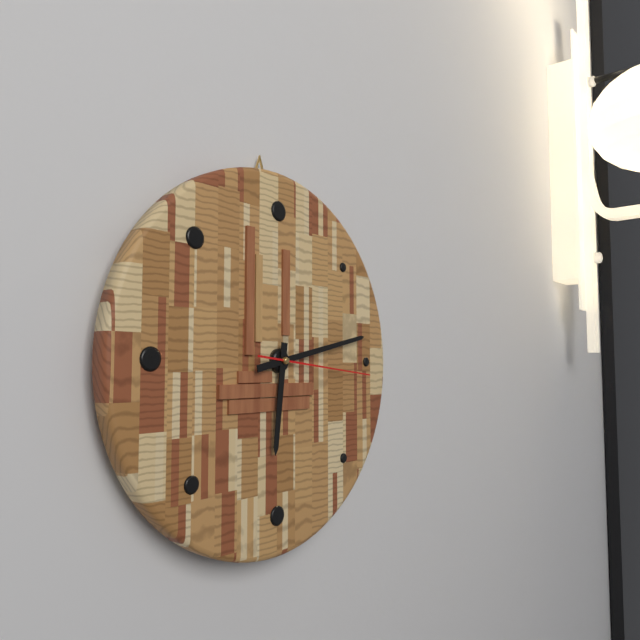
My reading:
6 h 13 min 16 s
